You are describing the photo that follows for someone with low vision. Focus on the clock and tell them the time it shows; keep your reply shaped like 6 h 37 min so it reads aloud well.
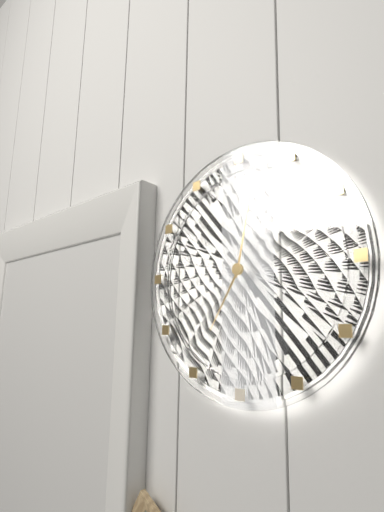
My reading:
7 h 02 min
